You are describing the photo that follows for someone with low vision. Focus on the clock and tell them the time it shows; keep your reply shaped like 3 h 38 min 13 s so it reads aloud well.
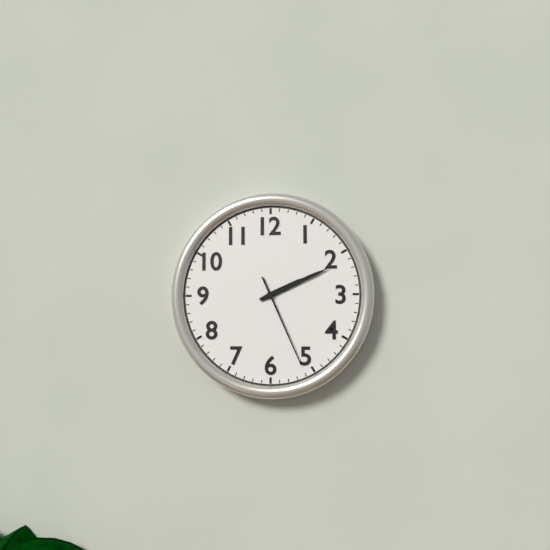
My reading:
2 h 11 min 26 s
